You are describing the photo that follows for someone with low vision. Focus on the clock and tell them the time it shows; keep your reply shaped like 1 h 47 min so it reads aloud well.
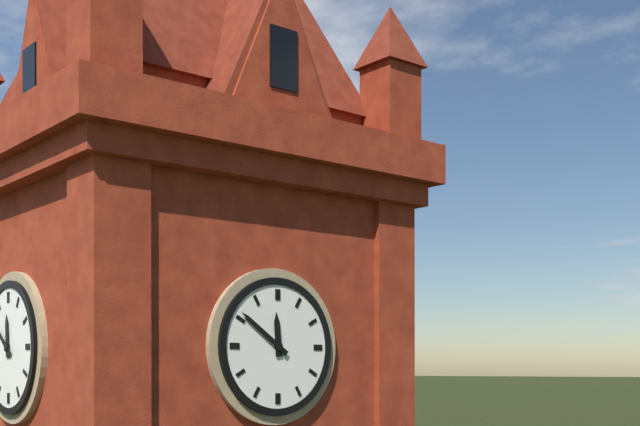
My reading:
11 h 51 min
